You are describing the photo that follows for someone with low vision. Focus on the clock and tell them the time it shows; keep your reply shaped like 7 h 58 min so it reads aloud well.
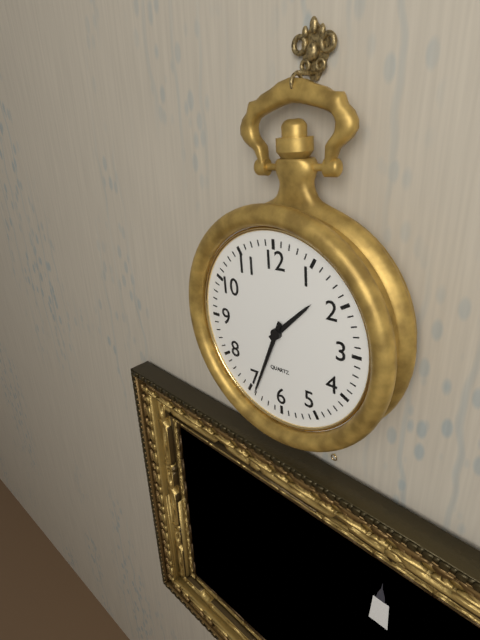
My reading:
1 h 34 min
